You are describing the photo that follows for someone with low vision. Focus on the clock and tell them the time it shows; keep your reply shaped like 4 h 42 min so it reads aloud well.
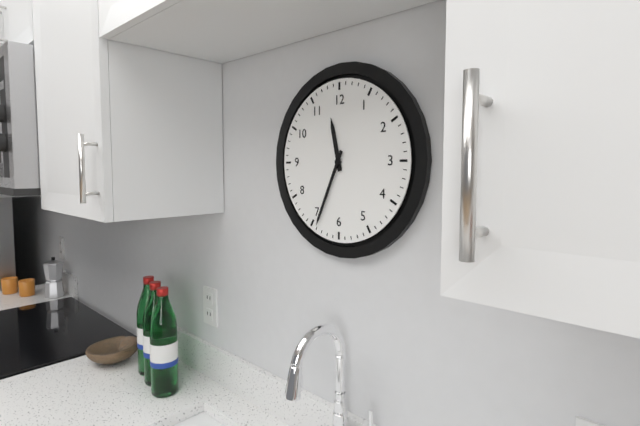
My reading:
11 h 34 min
